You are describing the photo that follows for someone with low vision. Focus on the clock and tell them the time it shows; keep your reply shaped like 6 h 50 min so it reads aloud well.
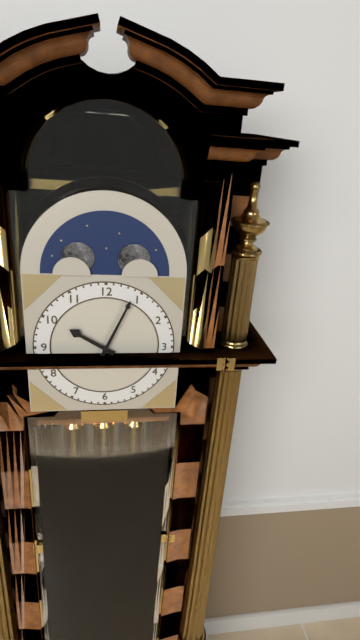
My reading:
10 h 04 min
